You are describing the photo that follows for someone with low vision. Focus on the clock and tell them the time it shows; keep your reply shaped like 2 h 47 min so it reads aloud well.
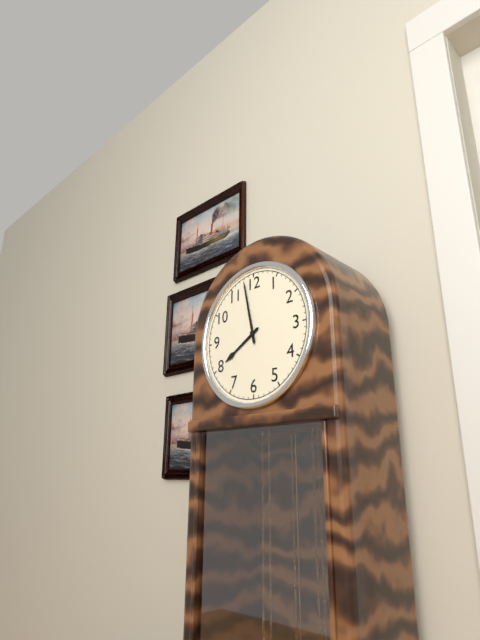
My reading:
7 h 58 min
